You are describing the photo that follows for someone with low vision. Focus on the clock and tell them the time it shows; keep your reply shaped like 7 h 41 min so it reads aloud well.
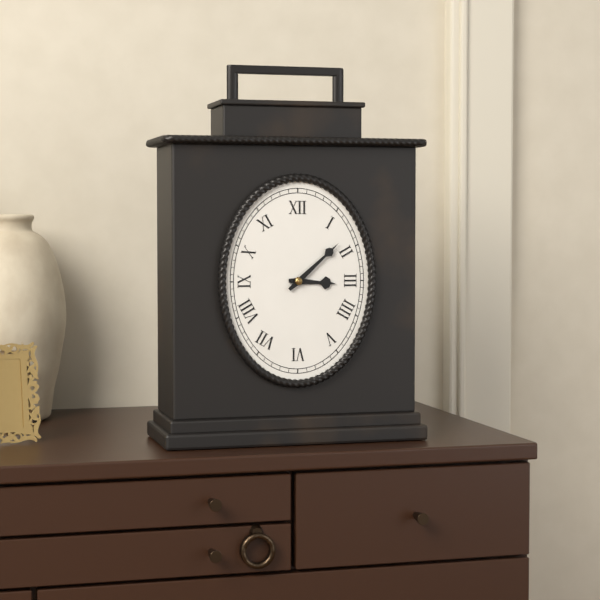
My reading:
3 h 08 min
